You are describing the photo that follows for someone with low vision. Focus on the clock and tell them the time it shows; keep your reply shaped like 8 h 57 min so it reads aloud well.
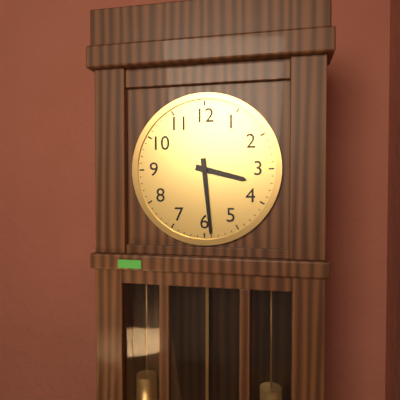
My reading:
3 h 29 min
